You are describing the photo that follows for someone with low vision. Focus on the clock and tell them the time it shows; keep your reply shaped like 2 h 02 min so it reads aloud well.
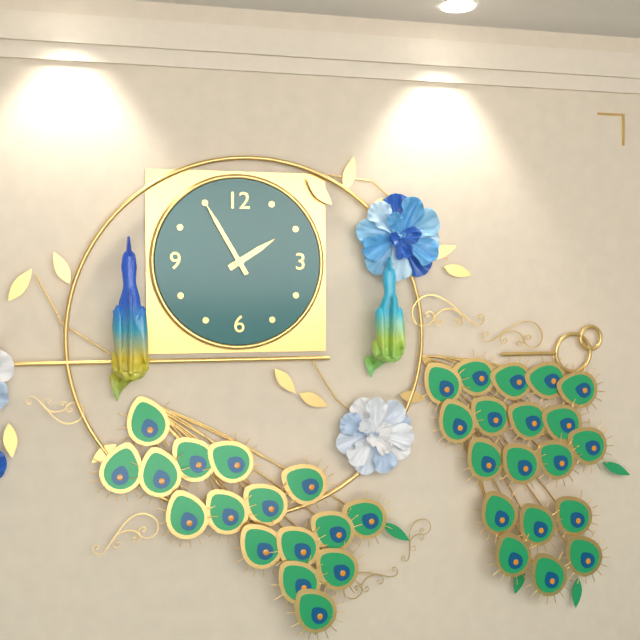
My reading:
1 h 55 min
